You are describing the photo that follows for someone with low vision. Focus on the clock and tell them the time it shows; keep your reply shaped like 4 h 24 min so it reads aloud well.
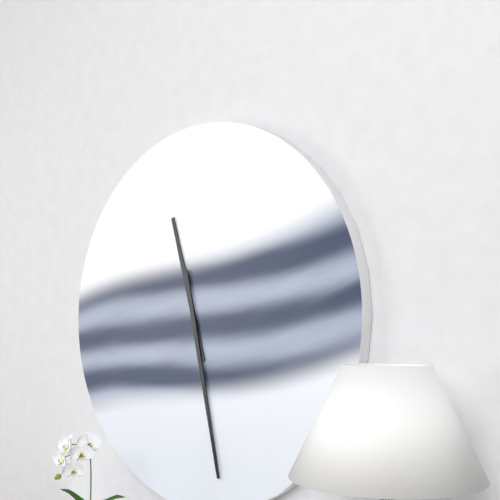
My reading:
11 h 28 min
